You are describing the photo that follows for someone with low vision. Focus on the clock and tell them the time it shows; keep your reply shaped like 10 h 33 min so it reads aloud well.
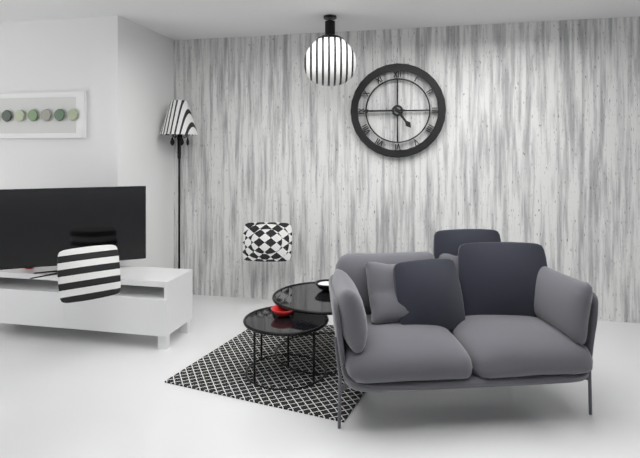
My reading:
4 h 45 min
